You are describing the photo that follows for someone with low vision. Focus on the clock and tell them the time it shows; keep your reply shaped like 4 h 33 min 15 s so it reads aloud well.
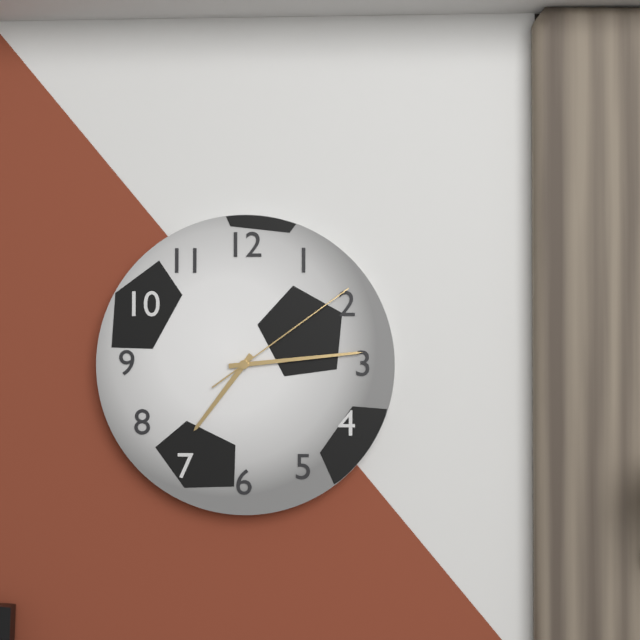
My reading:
7 h 14 min 09 s
